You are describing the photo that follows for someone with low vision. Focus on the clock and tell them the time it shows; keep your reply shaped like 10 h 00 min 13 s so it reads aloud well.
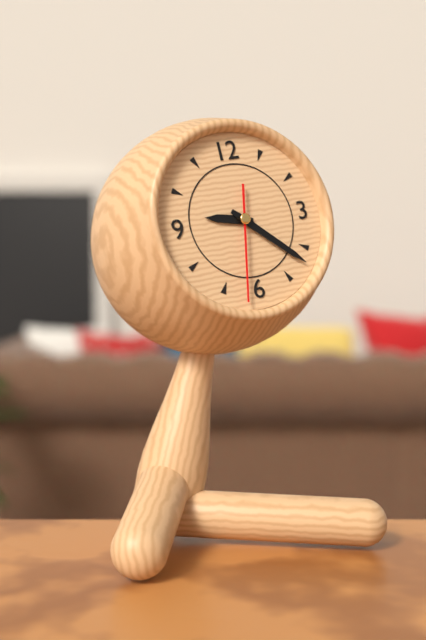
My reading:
9 h 22 min 32 s
